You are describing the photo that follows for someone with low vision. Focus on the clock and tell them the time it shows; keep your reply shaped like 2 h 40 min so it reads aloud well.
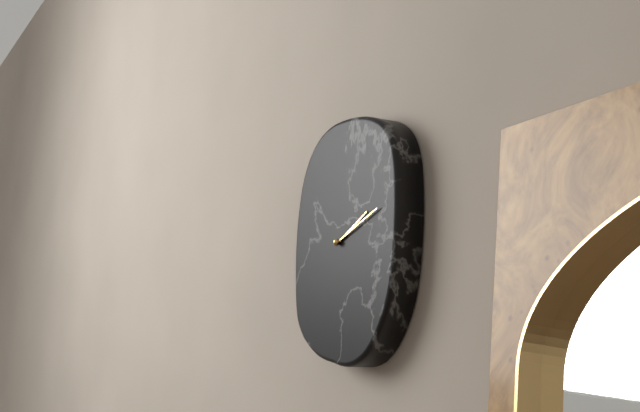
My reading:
2 h 12 min
